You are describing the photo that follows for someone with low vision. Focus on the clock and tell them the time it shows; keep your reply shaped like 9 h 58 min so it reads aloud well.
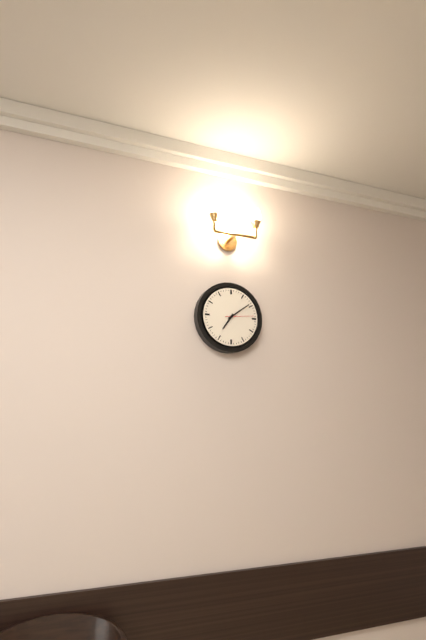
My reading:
7 h 09 min
